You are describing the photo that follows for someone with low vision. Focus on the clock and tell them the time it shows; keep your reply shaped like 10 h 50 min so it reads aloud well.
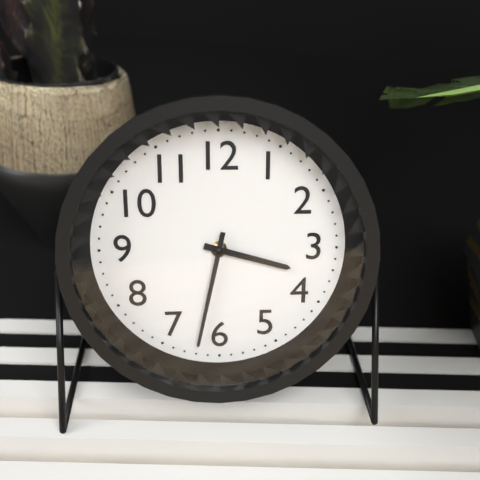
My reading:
3 h 32 min
